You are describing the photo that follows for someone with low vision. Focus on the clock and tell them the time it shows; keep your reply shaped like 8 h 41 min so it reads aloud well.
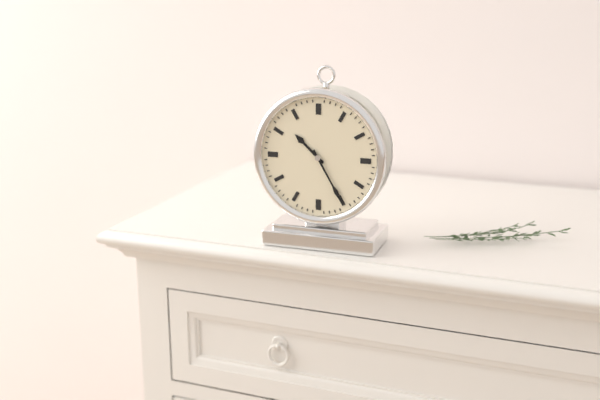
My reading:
10 h 25 min
